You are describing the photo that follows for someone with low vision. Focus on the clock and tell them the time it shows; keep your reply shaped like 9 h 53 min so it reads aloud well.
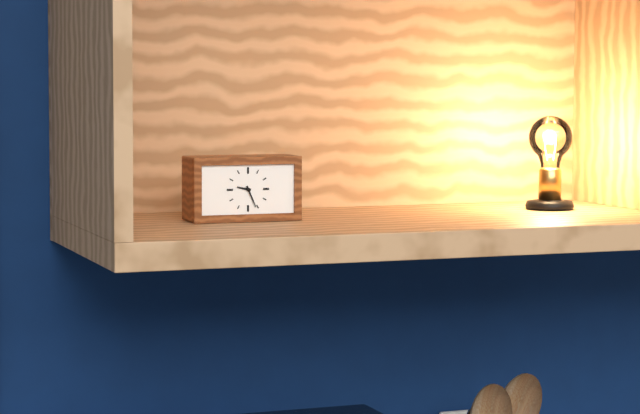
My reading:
9 h 26 min
